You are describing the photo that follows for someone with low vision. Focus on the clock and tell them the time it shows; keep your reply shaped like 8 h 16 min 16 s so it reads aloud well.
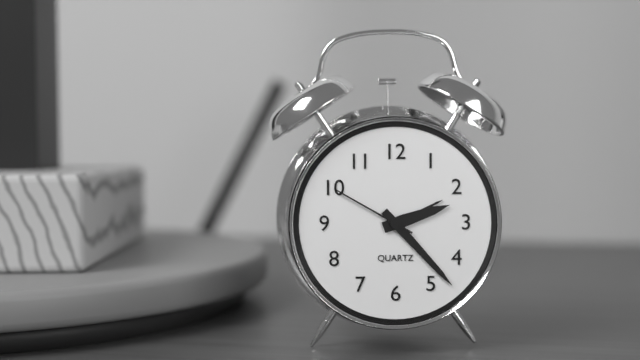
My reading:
2 h 23 min 50 s
